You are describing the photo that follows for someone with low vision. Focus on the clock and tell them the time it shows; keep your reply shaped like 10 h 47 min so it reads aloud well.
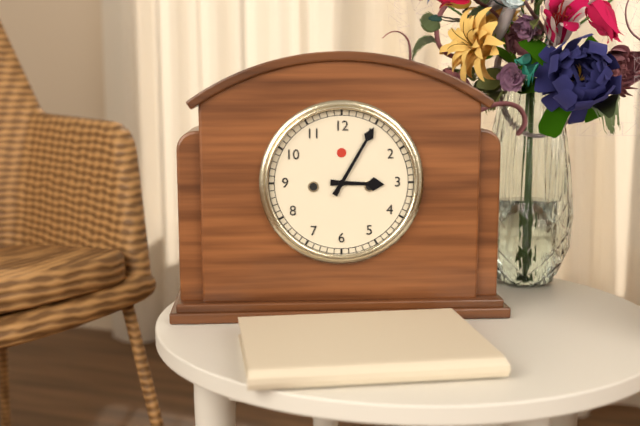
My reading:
3 h 05 min
